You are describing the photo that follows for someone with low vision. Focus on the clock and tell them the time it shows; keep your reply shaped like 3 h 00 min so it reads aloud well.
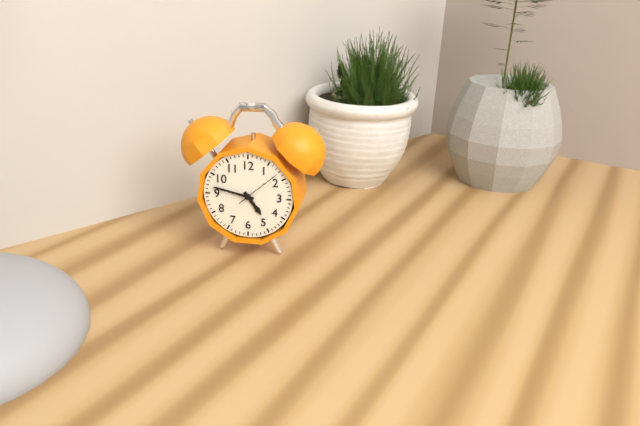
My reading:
4 h 47 min
